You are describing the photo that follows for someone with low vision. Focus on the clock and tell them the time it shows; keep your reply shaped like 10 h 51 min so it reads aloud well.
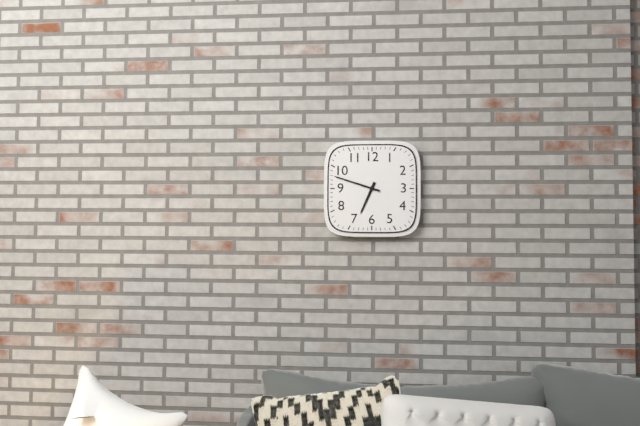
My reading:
6 h 48 min
